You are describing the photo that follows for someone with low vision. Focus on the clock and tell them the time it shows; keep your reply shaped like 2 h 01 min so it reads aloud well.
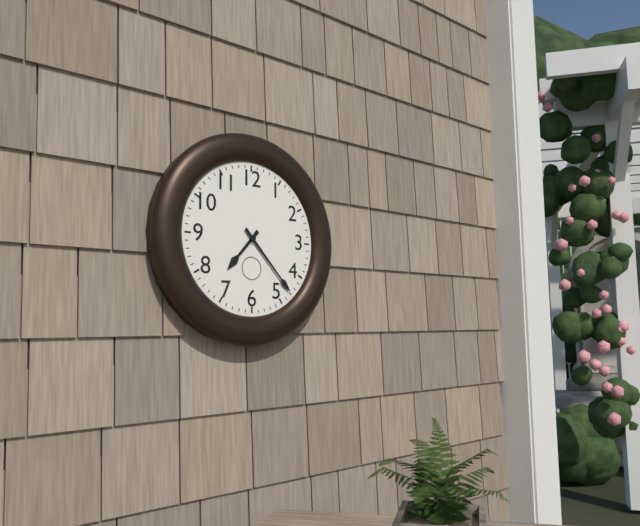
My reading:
7 h 23 min
